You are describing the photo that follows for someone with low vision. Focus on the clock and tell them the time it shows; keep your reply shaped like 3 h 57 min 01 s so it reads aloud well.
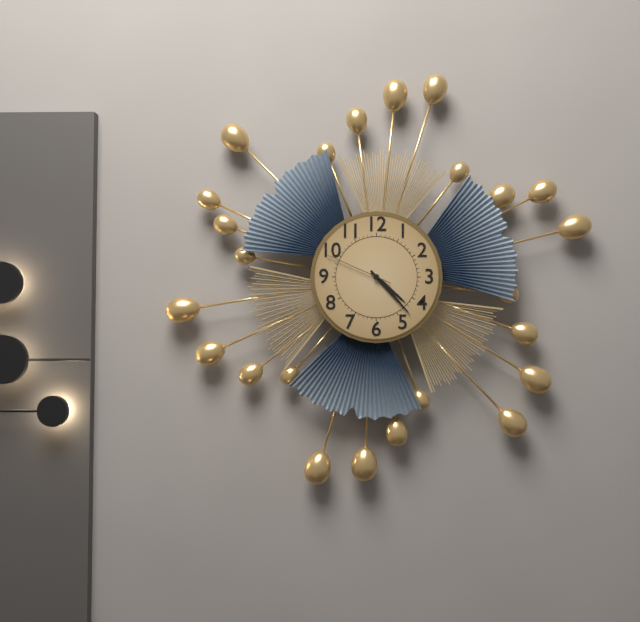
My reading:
4 h 23 min 49 s
